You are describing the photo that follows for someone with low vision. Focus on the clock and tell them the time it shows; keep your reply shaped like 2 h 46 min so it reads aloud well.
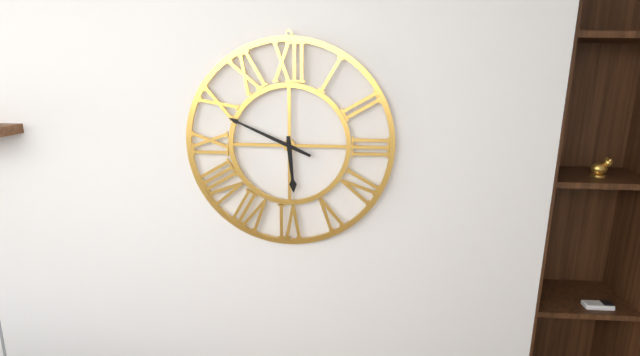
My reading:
5 h 49 min
